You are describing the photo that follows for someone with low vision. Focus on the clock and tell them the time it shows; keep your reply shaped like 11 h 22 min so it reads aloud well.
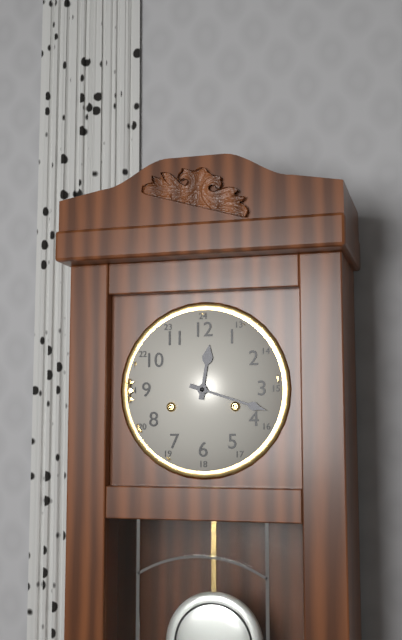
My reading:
12 h 18 min
